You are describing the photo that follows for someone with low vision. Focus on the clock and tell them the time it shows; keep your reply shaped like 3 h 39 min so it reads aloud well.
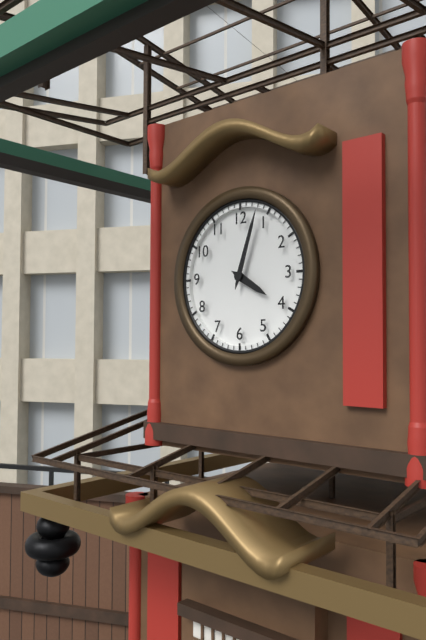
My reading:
4 h 03 min
